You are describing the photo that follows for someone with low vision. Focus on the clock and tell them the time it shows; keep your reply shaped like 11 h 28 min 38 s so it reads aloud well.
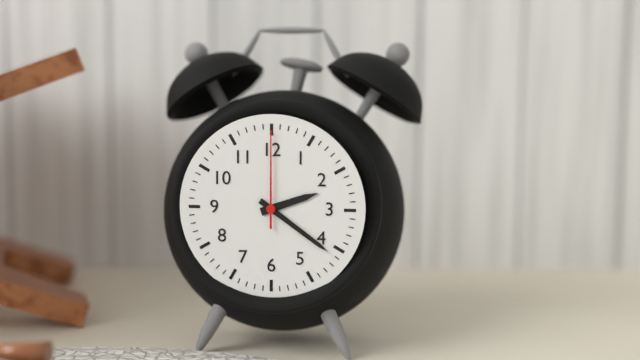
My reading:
2 h 21 min 00 s
